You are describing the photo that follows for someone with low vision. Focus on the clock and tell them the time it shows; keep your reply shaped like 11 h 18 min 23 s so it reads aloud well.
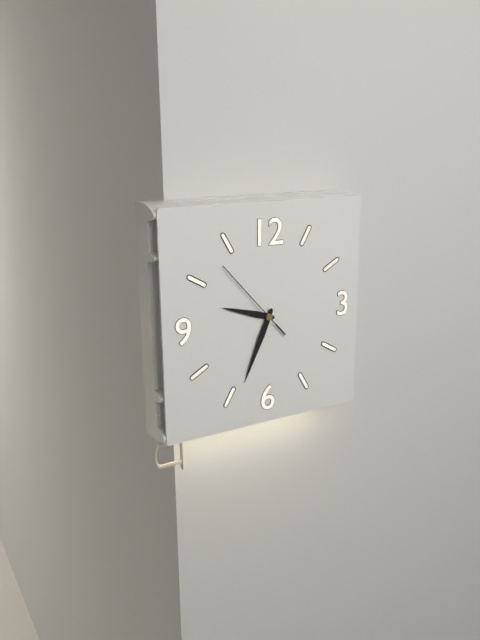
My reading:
9 h 34 min 53 s
